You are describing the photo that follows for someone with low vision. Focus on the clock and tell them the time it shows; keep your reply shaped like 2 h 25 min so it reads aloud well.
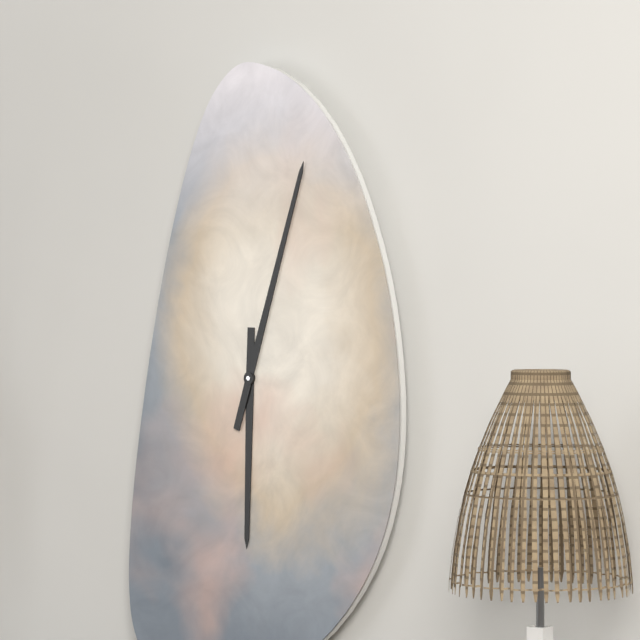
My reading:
6 h 03 min
